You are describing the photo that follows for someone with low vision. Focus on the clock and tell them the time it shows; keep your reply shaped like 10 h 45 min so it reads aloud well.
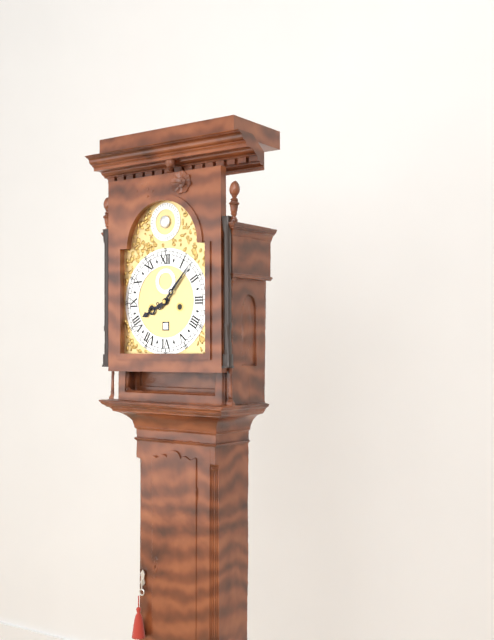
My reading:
8 h 07 min
